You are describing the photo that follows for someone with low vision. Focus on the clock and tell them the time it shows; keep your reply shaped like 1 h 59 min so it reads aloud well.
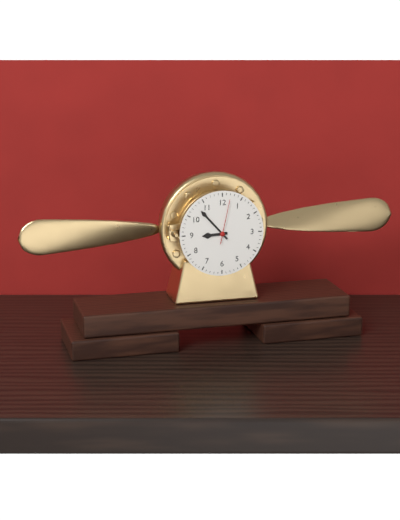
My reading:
8 h 53 min
